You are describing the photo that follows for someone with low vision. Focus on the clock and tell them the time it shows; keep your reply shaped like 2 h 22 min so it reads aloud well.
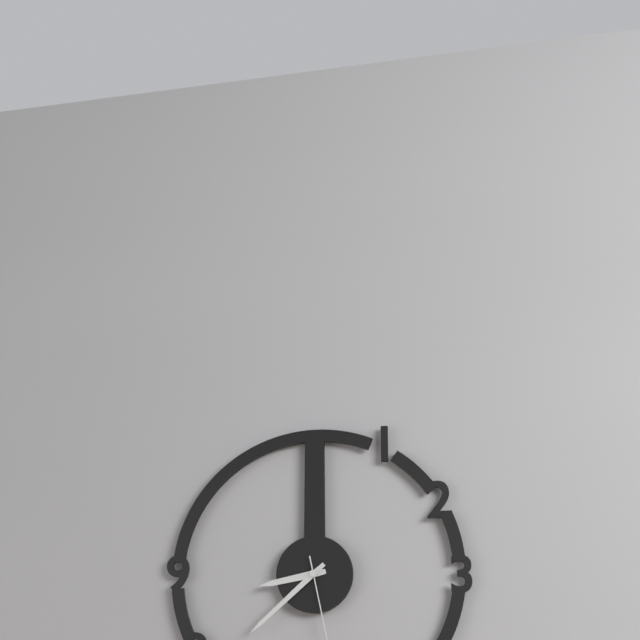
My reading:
8 h 38 min
